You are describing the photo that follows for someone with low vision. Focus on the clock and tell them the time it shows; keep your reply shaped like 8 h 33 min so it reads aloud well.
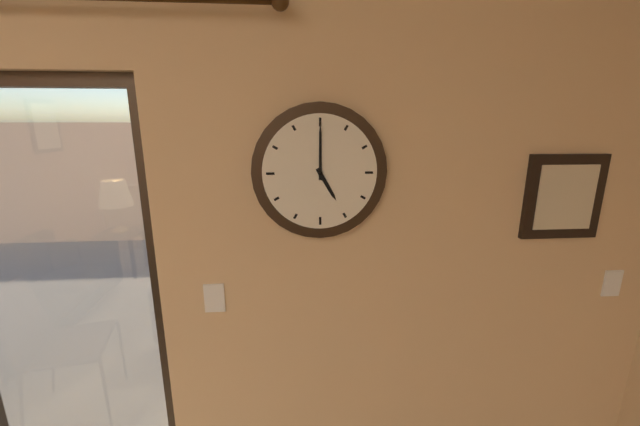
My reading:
5 h 00 min
